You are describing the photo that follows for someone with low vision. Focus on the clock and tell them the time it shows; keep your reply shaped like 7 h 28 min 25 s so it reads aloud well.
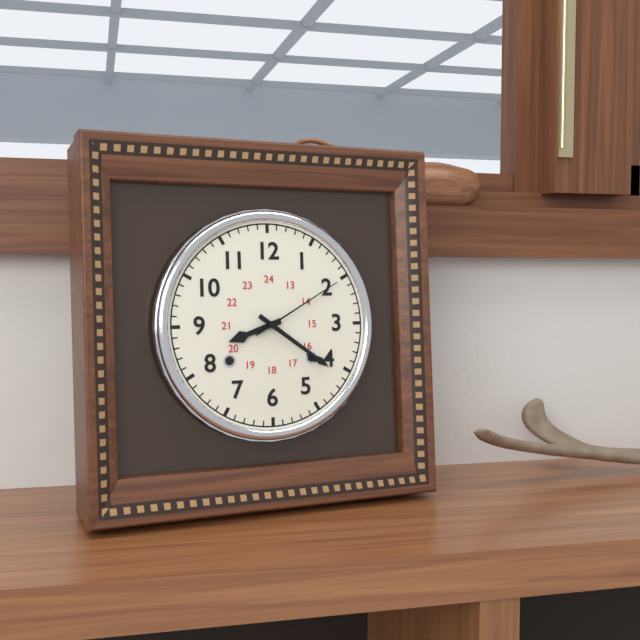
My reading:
8 h 21 min 10 s
